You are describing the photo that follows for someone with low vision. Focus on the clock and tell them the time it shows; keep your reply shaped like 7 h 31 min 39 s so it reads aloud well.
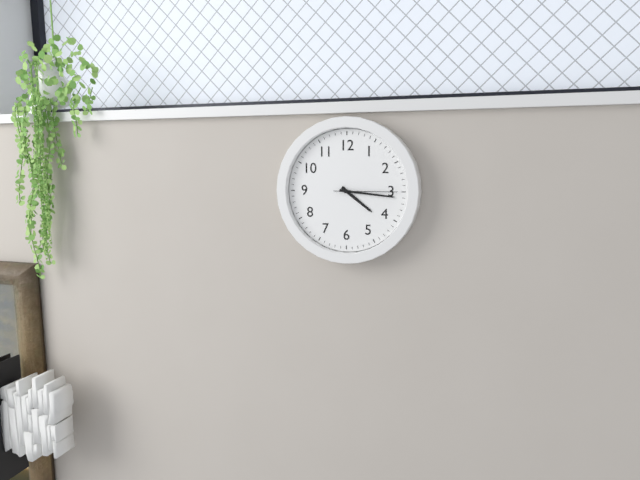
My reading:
4 h 16 min 15 s
